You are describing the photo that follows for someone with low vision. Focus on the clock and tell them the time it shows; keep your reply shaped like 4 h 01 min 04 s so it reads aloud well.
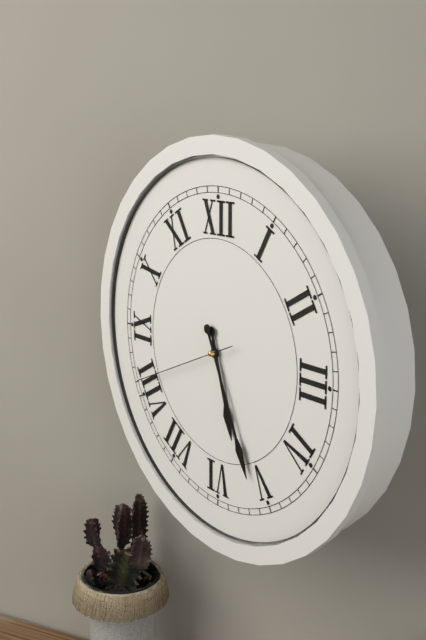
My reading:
5 h 26 min 41 s
